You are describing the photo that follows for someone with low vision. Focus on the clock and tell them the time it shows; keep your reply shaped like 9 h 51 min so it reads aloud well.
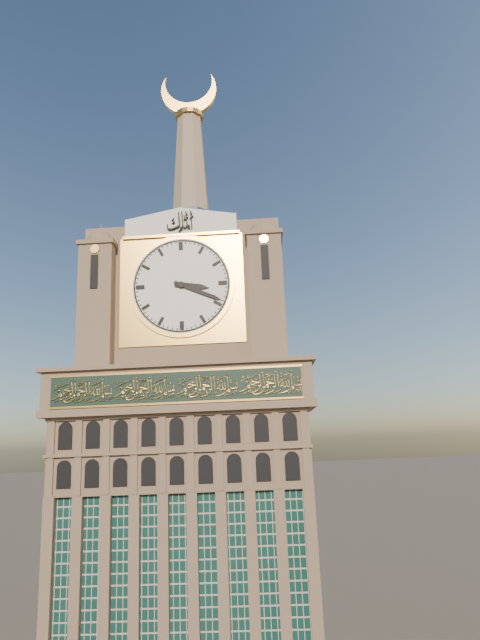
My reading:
3 h 19 min
